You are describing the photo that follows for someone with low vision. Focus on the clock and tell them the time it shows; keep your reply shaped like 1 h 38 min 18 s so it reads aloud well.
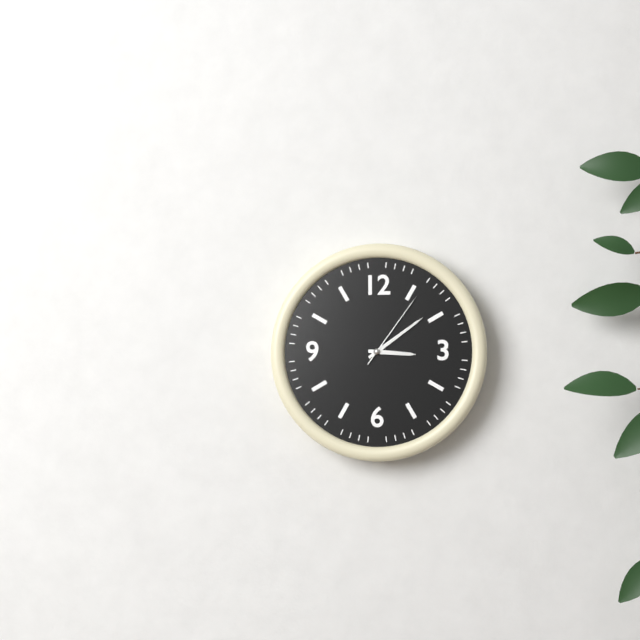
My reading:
3 h 09 min 06 s
